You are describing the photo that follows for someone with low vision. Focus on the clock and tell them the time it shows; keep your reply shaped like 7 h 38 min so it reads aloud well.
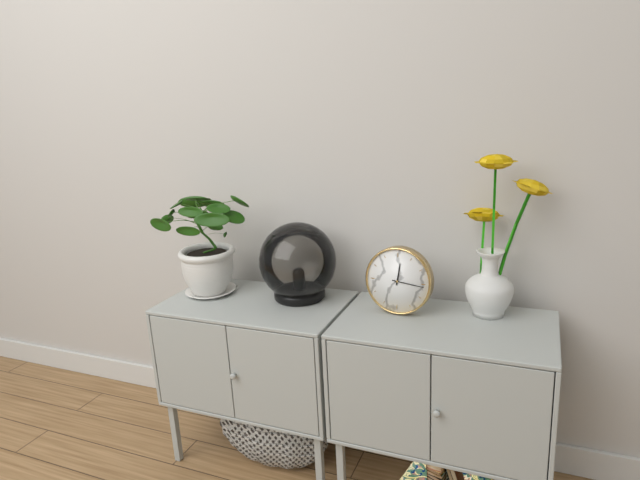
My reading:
12 h 16 min
